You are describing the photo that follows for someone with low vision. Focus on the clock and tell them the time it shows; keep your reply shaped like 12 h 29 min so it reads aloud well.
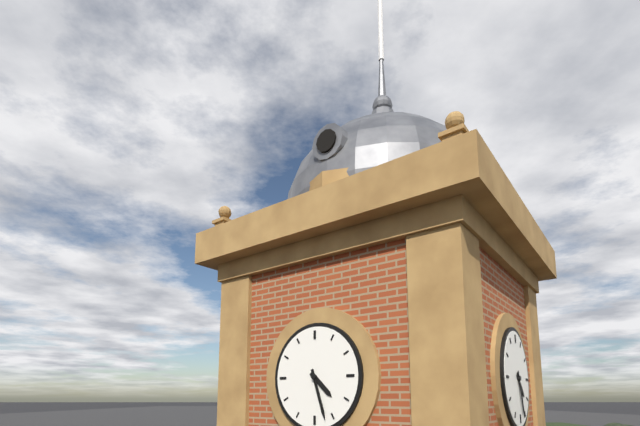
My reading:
4 h 27 min
